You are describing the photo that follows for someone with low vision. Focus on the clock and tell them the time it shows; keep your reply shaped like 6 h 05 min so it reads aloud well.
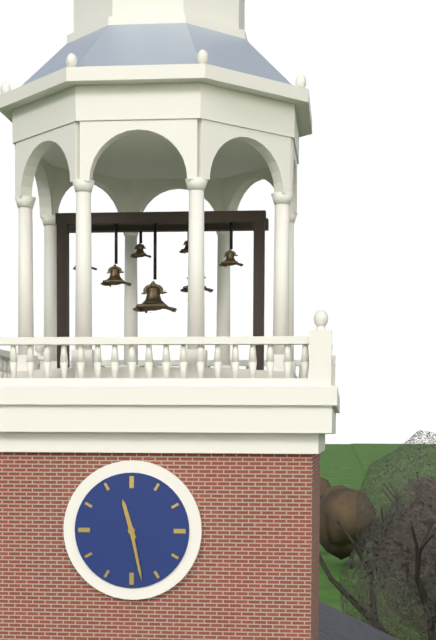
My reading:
11 h 28 min
